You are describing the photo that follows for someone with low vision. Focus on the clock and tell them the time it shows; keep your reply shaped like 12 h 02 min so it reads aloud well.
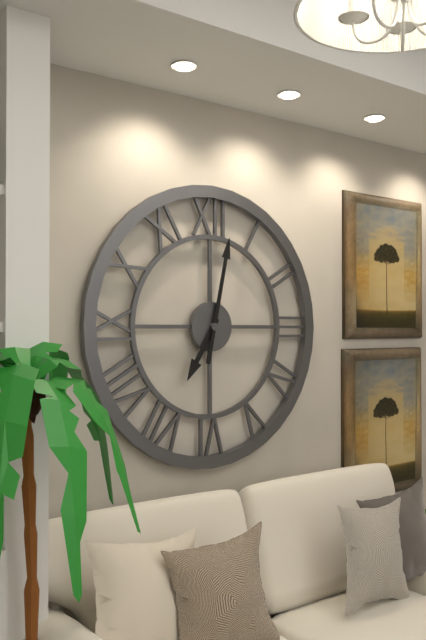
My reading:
7 h 02 min
